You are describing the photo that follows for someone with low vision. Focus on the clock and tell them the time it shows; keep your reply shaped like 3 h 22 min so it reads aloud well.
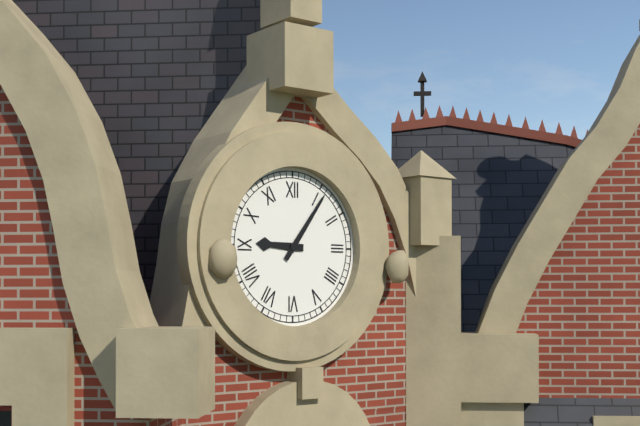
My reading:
9 h 06 min
